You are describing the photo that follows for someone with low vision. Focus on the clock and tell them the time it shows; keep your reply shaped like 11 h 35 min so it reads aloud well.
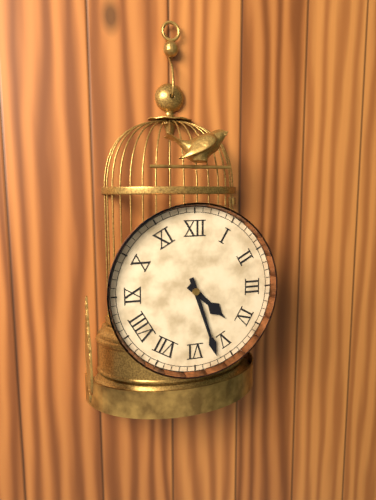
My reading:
4 h 27 min
